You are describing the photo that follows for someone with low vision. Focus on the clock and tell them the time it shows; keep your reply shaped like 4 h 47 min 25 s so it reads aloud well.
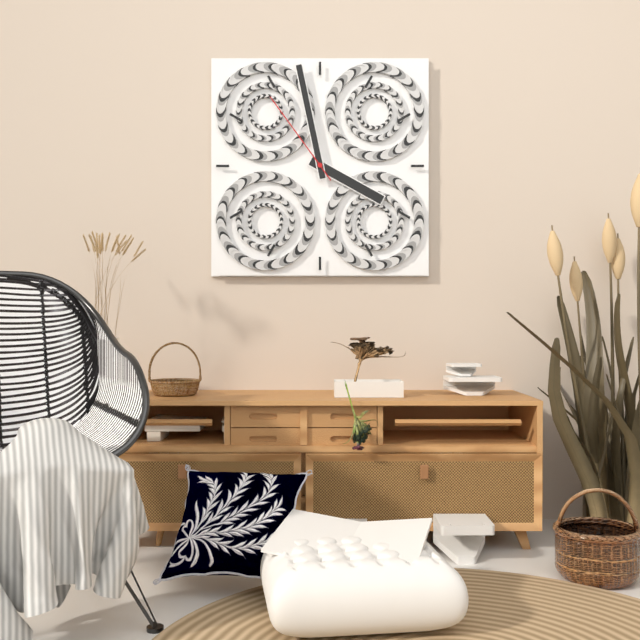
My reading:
3 h 58 min 54 s
